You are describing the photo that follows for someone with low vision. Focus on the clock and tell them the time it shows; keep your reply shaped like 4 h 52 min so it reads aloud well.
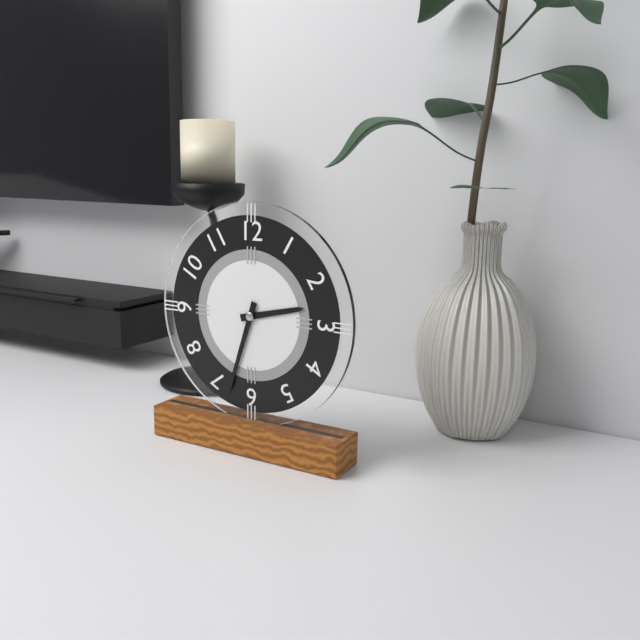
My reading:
2 h 33 min
